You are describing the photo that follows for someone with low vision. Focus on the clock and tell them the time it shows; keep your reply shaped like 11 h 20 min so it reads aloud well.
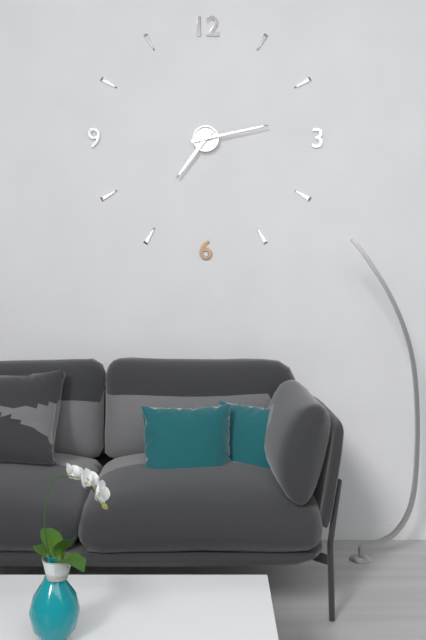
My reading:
7 h 13 min
